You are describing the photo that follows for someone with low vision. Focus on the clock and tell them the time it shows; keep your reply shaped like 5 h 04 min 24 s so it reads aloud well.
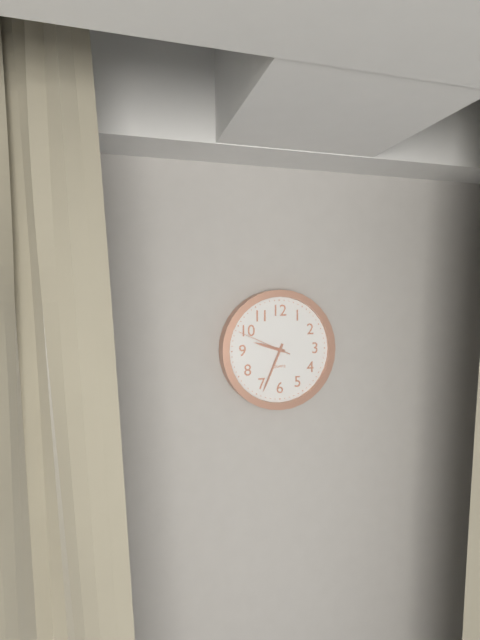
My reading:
9 h 34 min 49 s
